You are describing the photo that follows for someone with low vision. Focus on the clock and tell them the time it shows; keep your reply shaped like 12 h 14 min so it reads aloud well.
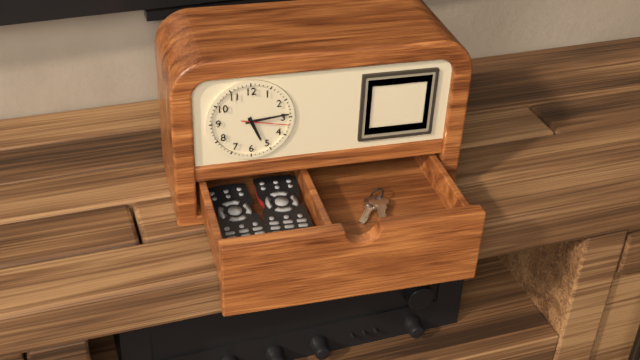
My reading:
5 h 14 min
